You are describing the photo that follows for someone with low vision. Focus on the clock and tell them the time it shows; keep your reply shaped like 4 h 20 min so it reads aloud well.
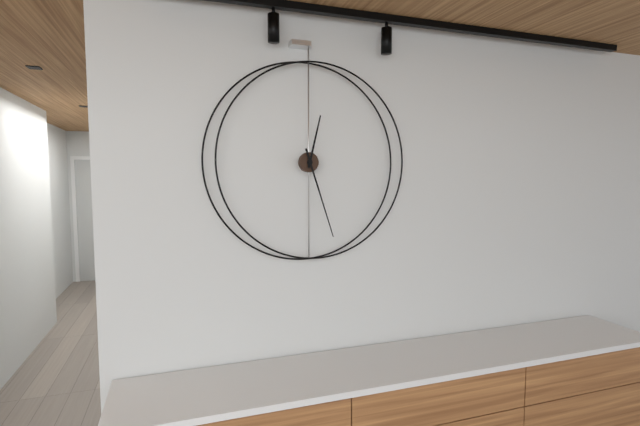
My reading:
12 h 27 min
